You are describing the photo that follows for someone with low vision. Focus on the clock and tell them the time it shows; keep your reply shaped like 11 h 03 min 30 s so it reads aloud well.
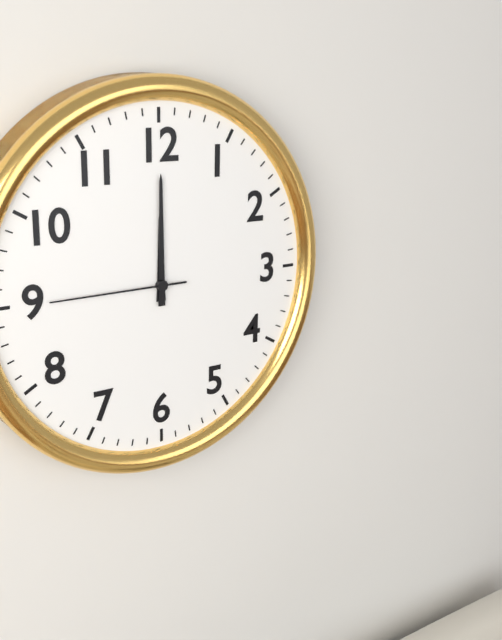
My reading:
12 h 00 min 45 s
